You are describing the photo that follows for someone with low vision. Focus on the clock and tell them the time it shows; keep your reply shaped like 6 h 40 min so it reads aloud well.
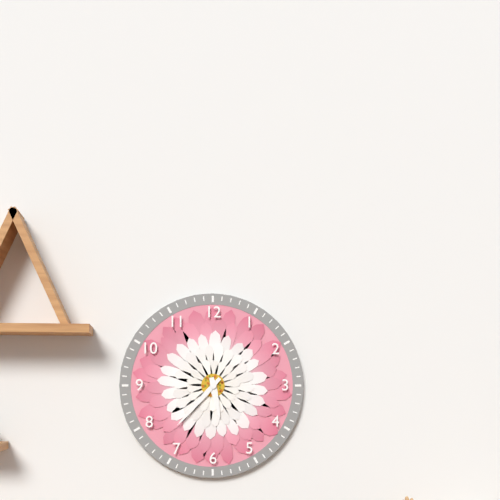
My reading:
5 h 37 min
